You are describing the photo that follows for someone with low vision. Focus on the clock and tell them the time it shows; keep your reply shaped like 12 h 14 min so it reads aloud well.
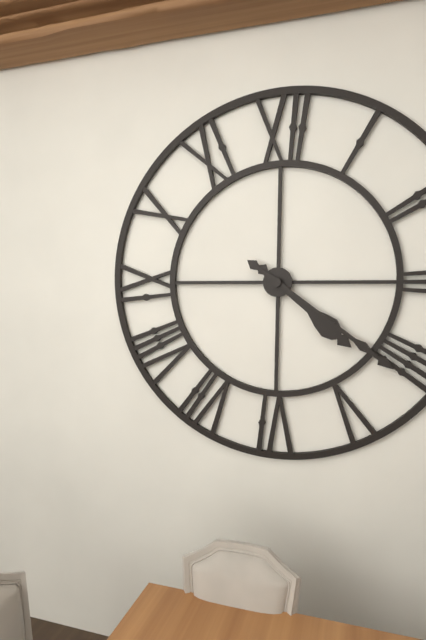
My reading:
4 h 21 min
